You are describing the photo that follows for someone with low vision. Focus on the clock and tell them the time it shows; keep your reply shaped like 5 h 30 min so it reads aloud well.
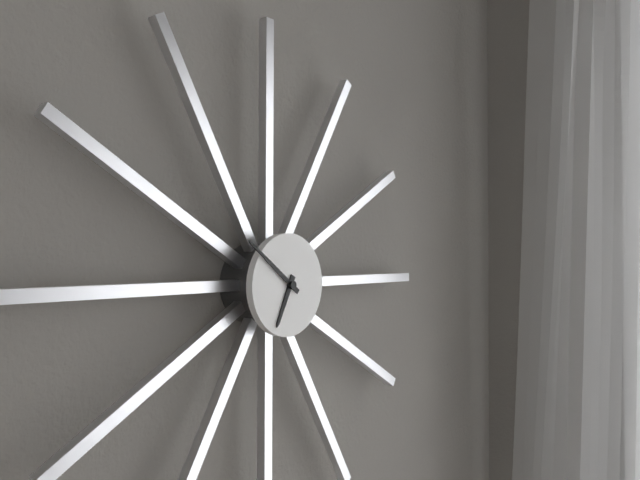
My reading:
6 h 51 min
